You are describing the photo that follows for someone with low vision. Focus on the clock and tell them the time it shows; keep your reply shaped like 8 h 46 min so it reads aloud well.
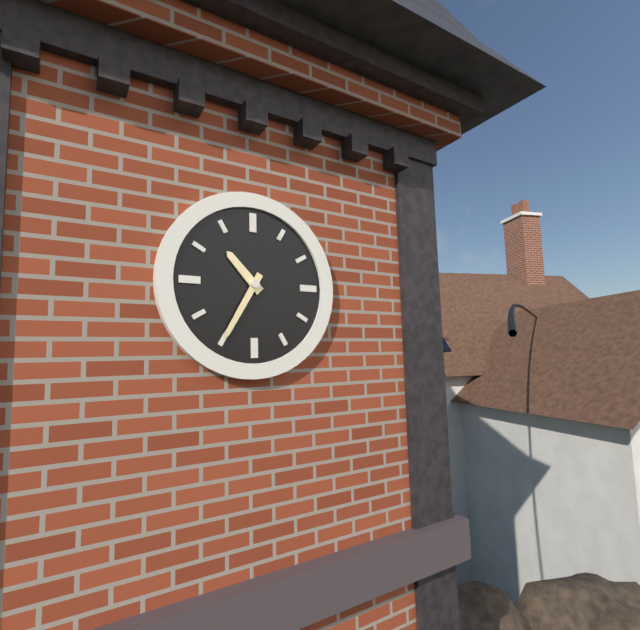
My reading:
10 h 35 min
